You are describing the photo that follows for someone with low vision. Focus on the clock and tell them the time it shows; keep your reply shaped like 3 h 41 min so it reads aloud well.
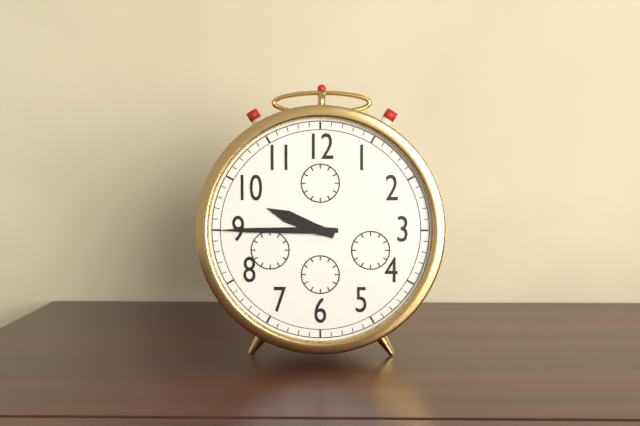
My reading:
9 h 45 min
